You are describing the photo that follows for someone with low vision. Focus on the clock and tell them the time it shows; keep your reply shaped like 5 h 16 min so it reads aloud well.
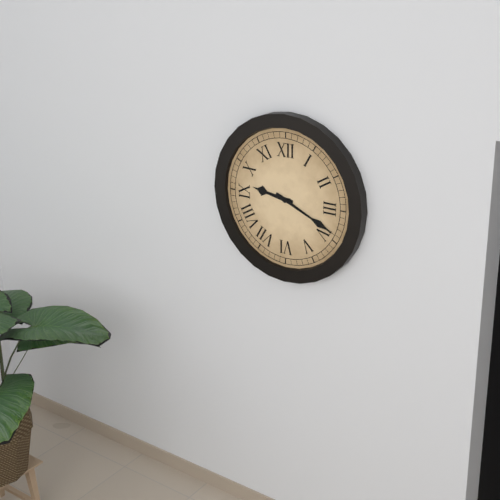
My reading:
9 h 19 min
